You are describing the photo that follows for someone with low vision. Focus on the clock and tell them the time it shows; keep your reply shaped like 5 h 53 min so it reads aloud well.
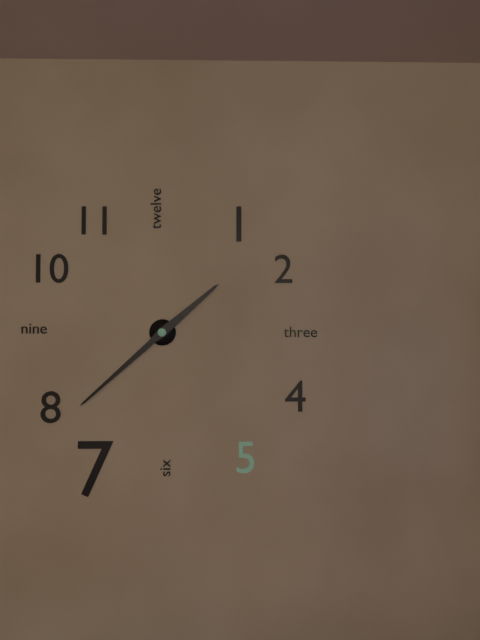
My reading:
1 h 38 min
